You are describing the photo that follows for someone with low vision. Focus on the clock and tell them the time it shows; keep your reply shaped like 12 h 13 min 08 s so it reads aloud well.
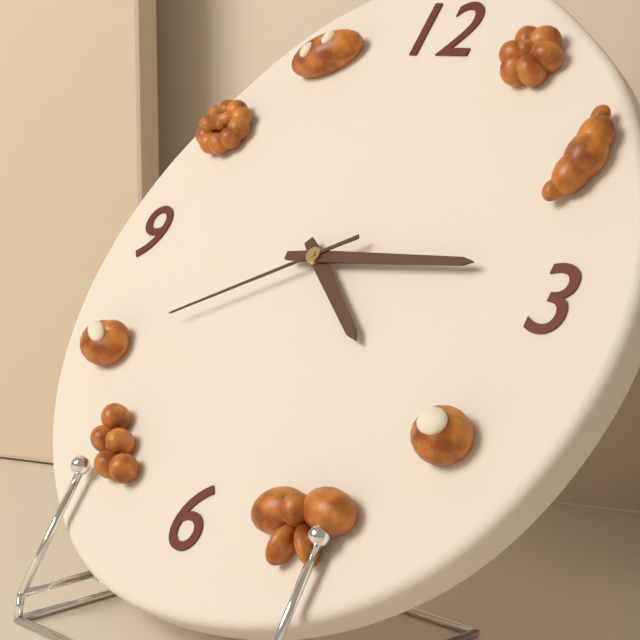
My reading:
4 h 14 min 40 s
